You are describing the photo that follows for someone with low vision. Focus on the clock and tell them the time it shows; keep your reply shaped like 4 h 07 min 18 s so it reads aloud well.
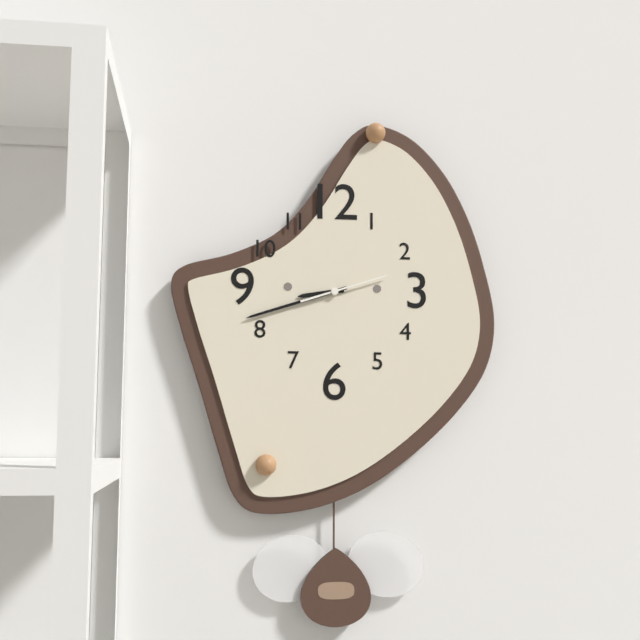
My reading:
8 h 42 min 12 s
